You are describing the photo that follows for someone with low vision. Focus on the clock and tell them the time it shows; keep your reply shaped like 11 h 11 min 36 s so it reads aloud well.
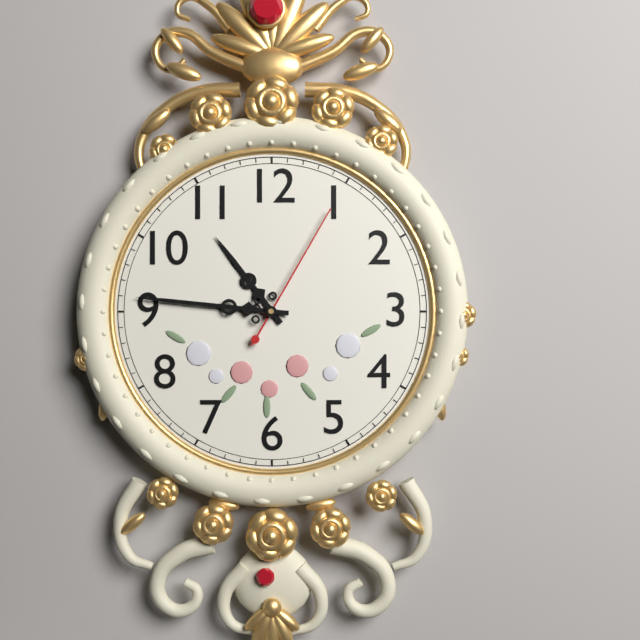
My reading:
10 h 46 min 05 s
